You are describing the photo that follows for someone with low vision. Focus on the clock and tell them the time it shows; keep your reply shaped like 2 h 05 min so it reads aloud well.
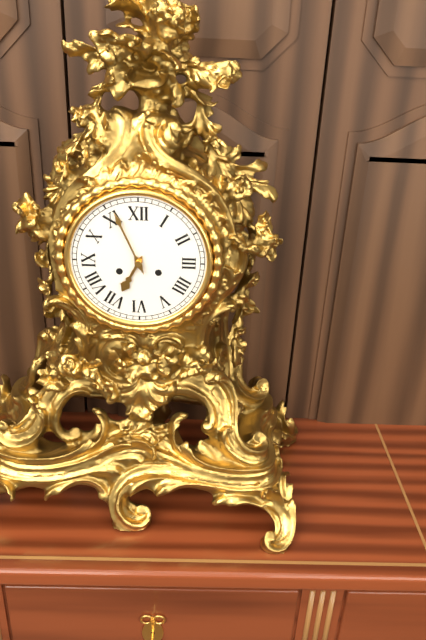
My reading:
6 h 56 min
